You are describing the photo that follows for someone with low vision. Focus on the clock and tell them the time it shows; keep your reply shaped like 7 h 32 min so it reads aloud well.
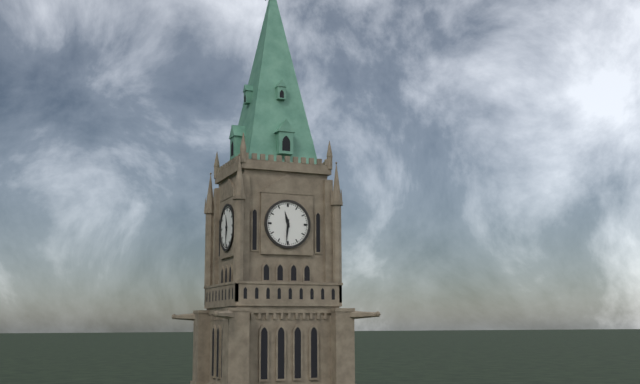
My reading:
11 h 31 min
